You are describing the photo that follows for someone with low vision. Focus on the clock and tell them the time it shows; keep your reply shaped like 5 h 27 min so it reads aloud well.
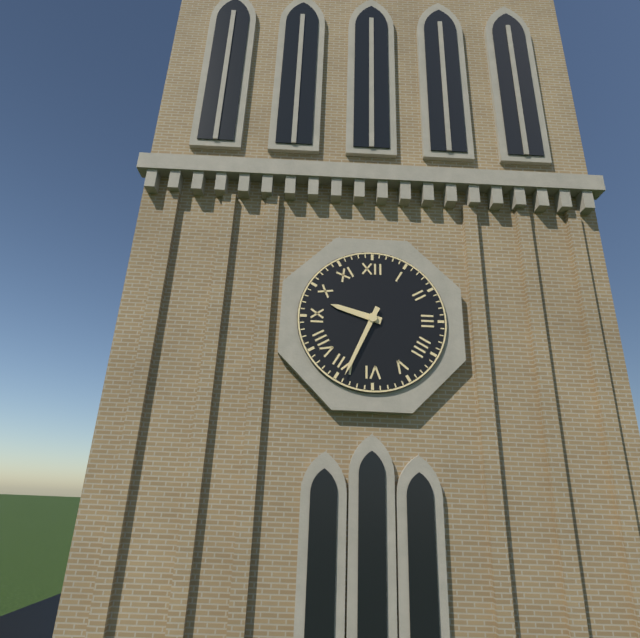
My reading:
9 h 34 min
